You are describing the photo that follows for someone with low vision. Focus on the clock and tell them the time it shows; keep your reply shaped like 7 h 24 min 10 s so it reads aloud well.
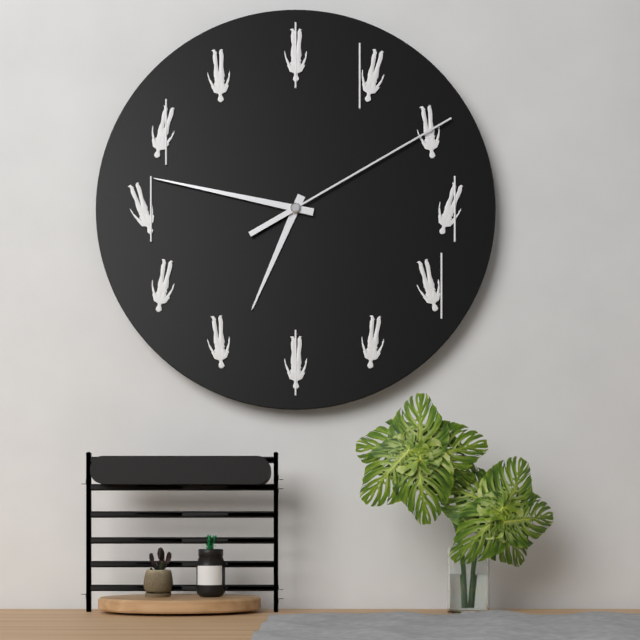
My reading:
6 h 47 min 10 s
